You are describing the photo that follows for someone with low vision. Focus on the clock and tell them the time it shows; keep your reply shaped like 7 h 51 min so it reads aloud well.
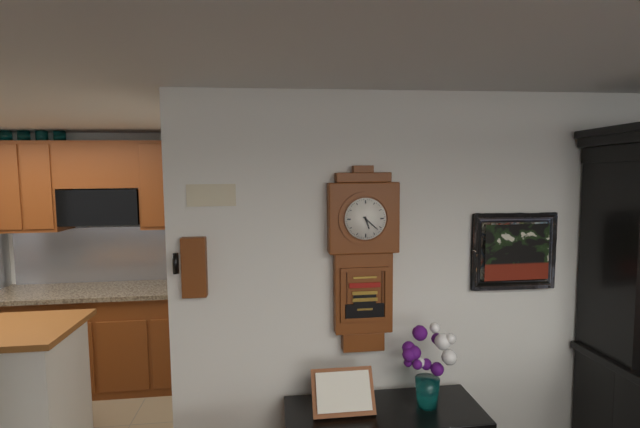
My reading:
5 h 22 min
